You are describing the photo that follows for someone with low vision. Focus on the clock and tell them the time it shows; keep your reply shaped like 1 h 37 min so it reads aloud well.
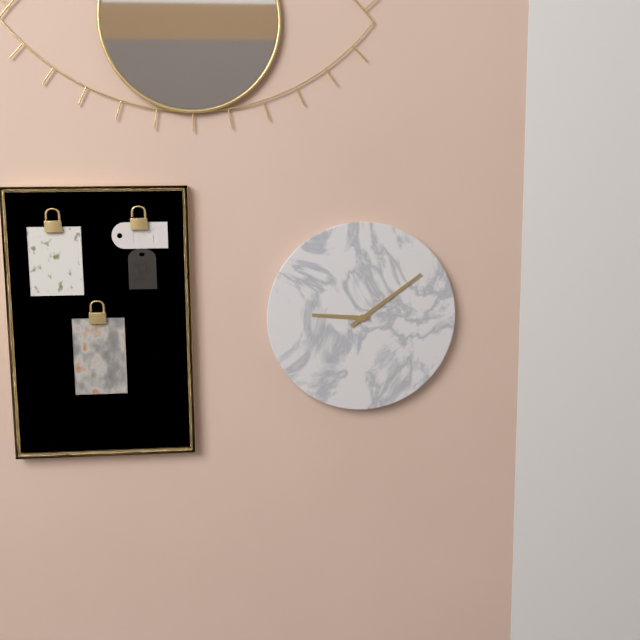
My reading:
9 h 09 min
